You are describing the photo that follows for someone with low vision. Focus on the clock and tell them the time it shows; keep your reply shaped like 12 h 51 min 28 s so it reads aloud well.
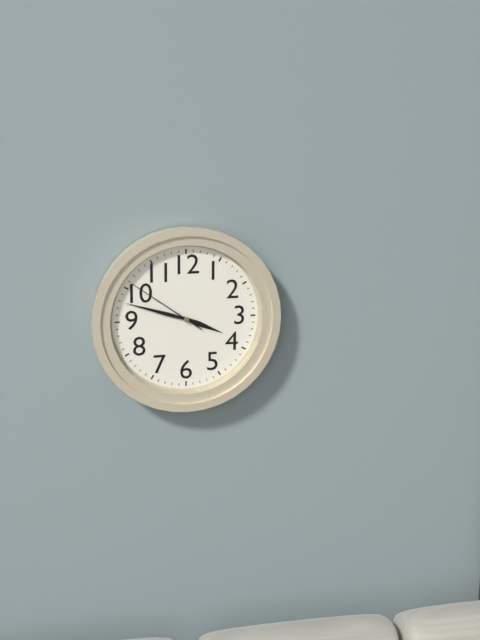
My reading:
3 h 48 min 51 s
